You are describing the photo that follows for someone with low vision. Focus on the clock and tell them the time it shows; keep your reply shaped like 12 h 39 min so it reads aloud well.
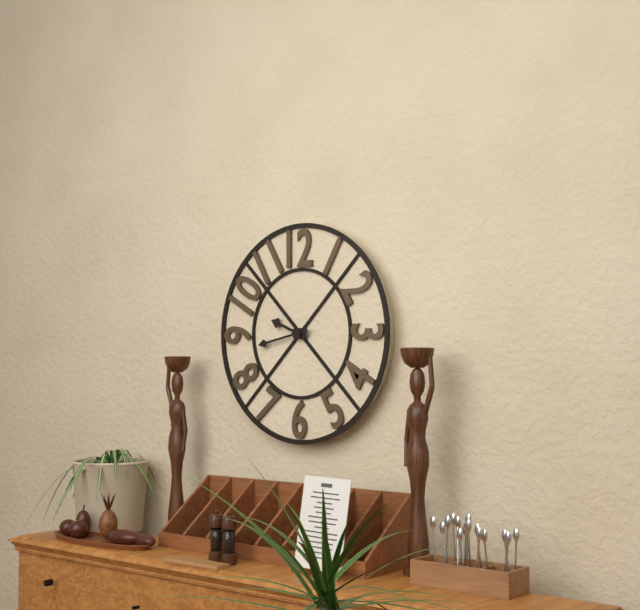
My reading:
9 h 43 min
